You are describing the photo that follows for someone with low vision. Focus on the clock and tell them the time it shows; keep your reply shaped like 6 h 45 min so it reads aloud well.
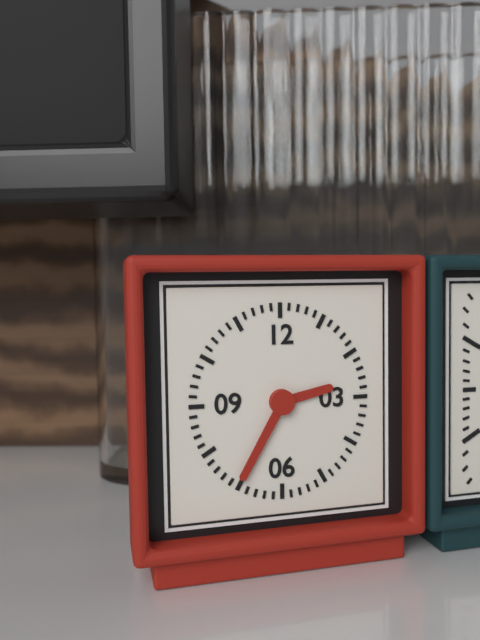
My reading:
2 h 35 min
